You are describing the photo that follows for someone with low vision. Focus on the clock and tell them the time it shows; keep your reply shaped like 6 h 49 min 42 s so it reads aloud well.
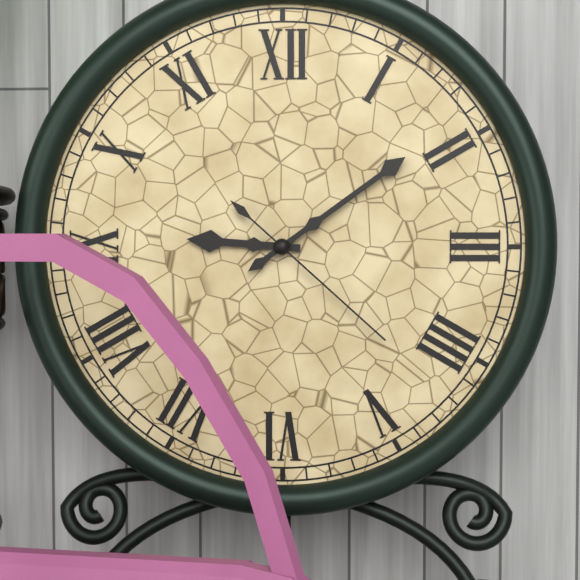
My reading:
9 h 09 min 22 s
